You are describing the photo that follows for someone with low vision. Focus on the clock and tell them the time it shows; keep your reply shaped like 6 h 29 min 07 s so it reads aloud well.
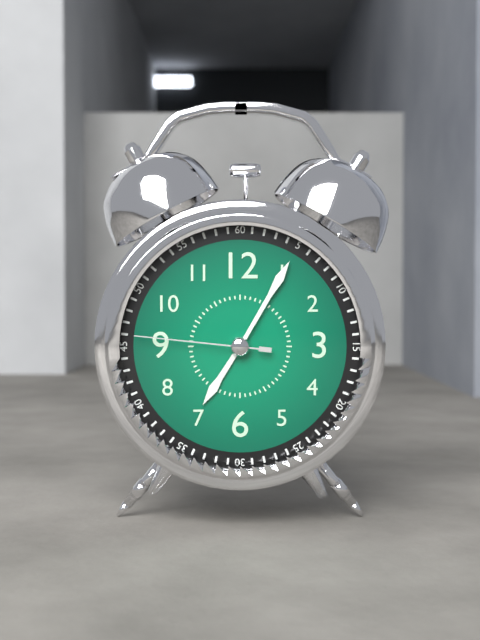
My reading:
7 h 05 min 46 s
